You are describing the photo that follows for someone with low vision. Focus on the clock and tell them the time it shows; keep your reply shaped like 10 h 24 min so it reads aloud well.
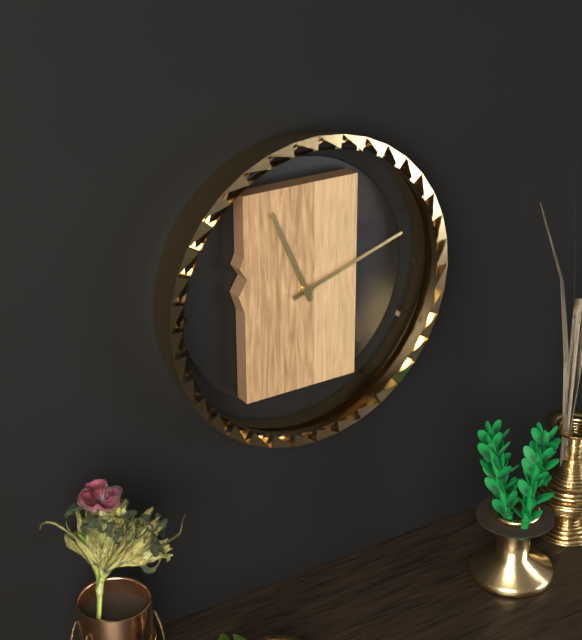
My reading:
11 h 12 min
